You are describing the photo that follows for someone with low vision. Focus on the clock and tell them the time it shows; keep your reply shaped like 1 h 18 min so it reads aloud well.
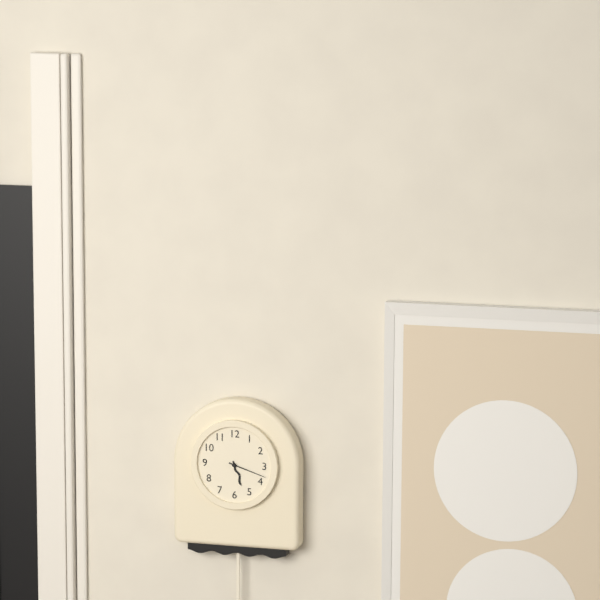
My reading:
5 h 18 min
